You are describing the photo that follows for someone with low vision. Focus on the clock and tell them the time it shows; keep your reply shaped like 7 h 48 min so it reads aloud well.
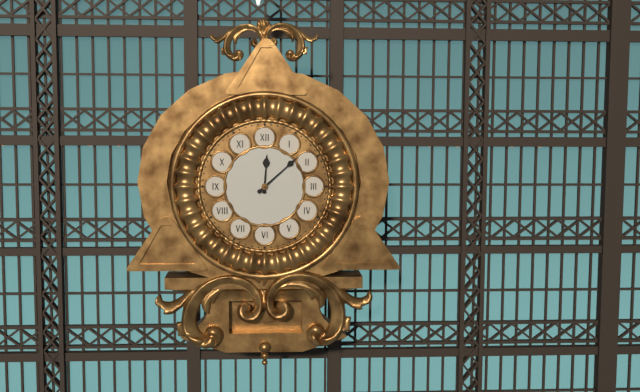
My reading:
12 h 08 min
